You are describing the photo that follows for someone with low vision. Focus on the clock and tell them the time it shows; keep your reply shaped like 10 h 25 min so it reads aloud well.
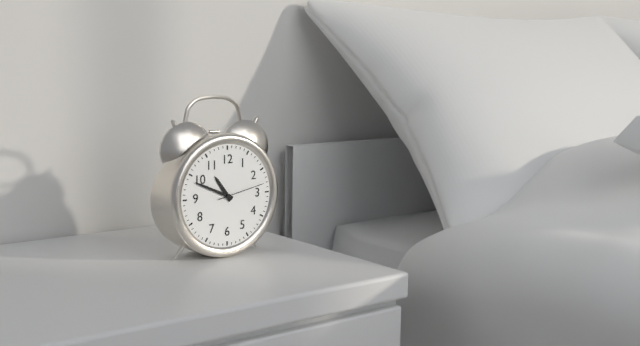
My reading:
10 h 49 min
